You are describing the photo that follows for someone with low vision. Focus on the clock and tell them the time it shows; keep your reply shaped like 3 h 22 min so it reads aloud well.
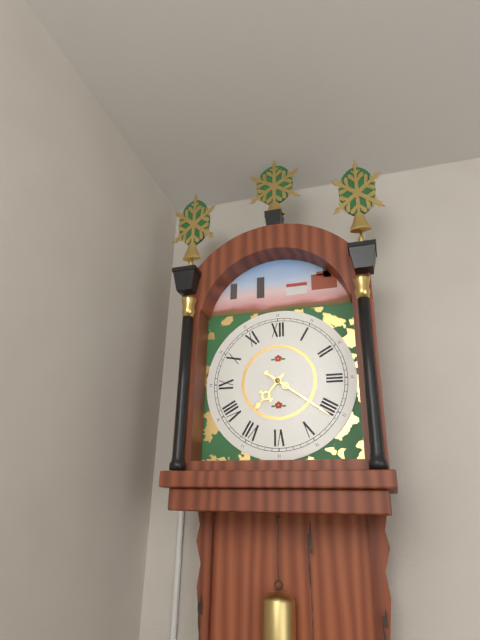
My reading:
7 h 21 min
